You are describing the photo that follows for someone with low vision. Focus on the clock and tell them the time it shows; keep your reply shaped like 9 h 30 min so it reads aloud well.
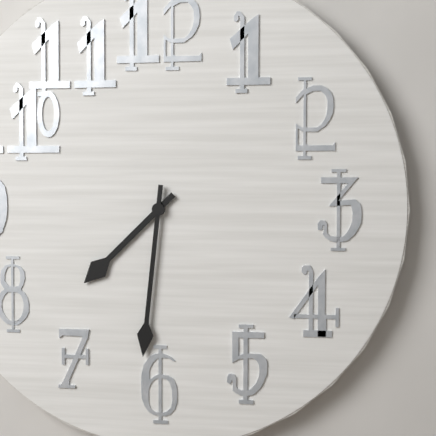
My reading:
7 h 31 min
